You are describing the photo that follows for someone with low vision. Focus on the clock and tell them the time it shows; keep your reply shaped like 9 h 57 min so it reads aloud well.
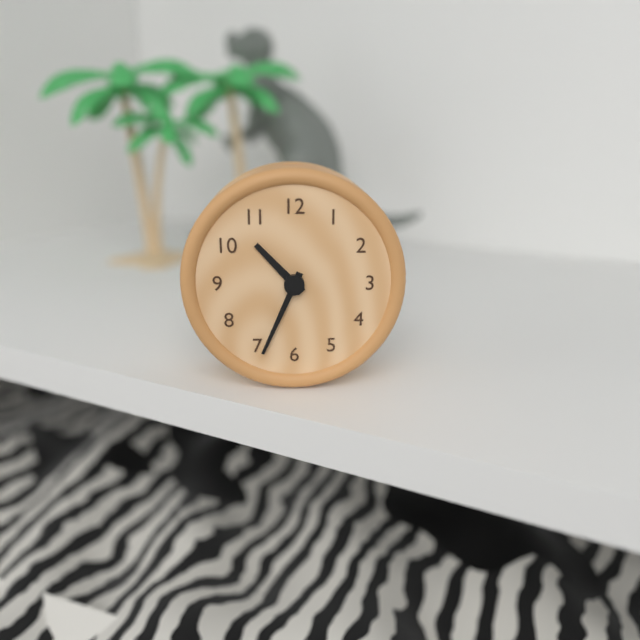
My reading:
10 h 34 min
